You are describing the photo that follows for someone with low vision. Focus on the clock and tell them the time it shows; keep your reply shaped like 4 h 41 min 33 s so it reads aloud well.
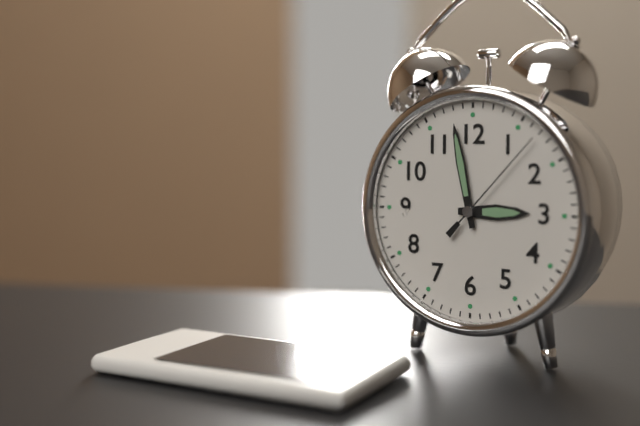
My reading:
2 h 58 min 07 s
